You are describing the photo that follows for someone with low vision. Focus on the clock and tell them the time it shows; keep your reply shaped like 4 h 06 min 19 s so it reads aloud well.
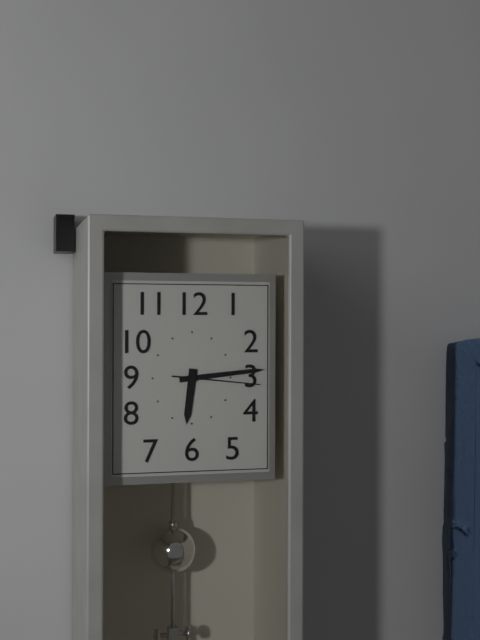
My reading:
6 h 14 min 16 s
